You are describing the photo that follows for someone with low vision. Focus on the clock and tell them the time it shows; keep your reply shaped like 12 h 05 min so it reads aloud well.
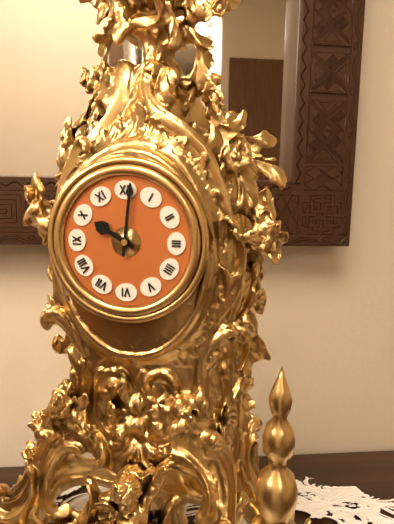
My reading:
10 h 01 min
